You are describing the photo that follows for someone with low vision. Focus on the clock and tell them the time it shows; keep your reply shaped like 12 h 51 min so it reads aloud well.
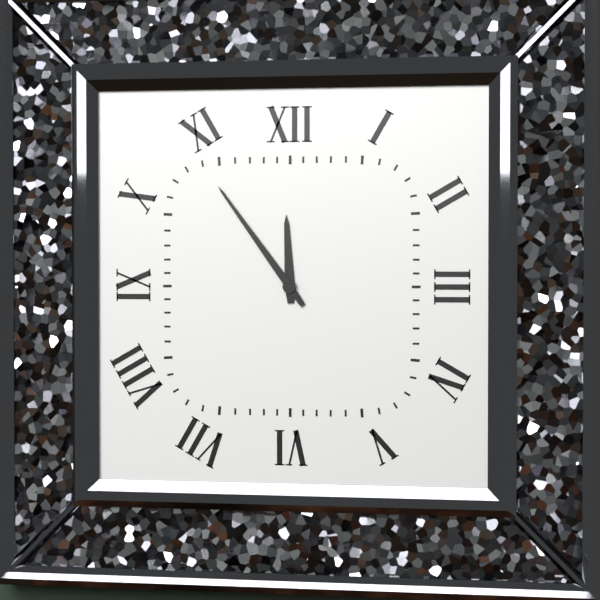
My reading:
11 h 54 min
